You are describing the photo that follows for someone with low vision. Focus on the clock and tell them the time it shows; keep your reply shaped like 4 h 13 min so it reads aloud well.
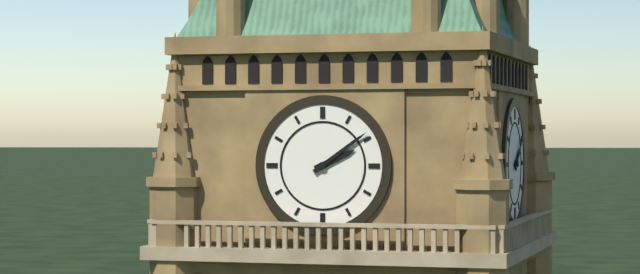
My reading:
2 h 09 min
